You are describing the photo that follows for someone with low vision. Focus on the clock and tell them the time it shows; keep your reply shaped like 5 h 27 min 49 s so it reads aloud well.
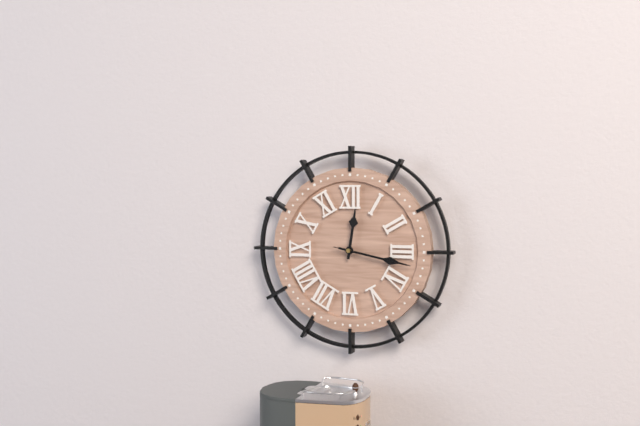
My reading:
12 h 17 min 17 s
